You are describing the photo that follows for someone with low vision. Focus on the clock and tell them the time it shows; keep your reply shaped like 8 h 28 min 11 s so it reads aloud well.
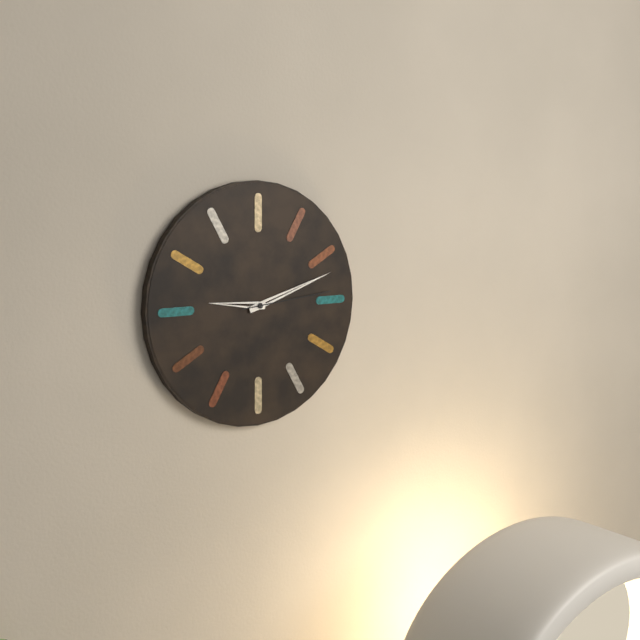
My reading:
9 h 12 min 14 s
